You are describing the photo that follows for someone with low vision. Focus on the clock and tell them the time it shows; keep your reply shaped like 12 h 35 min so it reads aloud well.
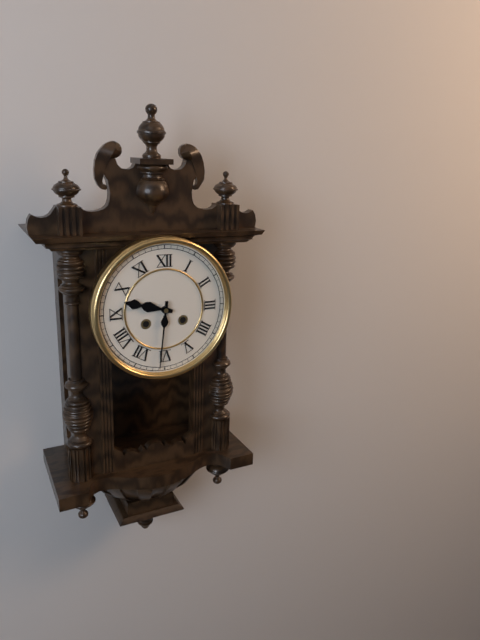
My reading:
9 h 31 min
